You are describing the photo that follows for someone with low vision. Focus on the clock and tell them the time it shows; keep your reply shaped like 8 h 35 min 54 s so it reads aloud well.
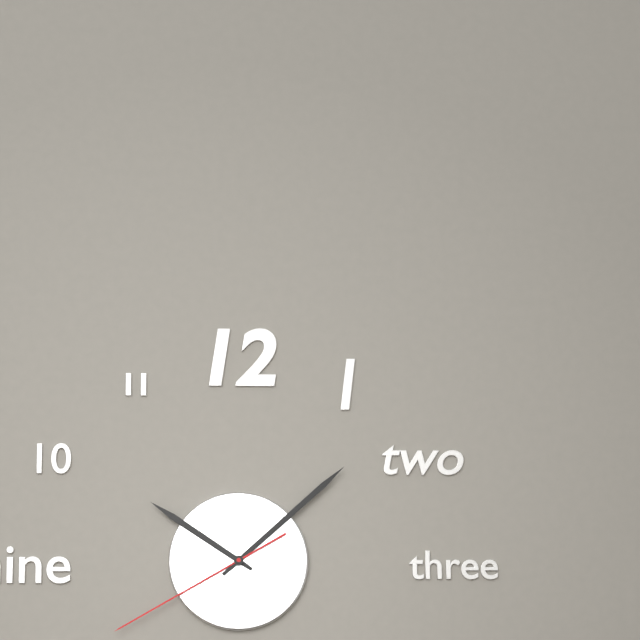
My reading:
10 h 08 min 40 s
